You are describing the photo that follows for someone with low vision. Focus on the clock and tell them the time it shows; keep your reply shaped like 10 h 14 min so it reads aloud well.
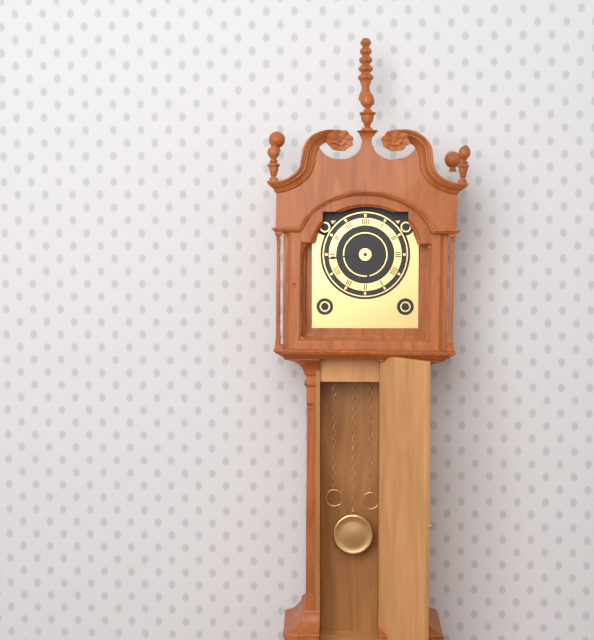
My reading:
5 h 44 min
